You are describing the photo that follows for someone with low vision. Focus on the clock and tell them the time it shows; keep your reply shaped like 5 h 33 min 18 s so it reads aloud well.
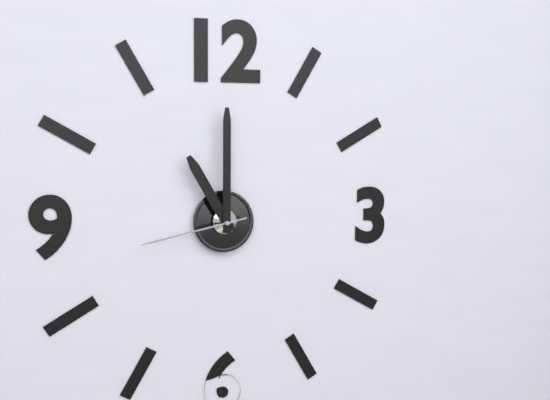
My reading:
11 h 00 min 43 s
